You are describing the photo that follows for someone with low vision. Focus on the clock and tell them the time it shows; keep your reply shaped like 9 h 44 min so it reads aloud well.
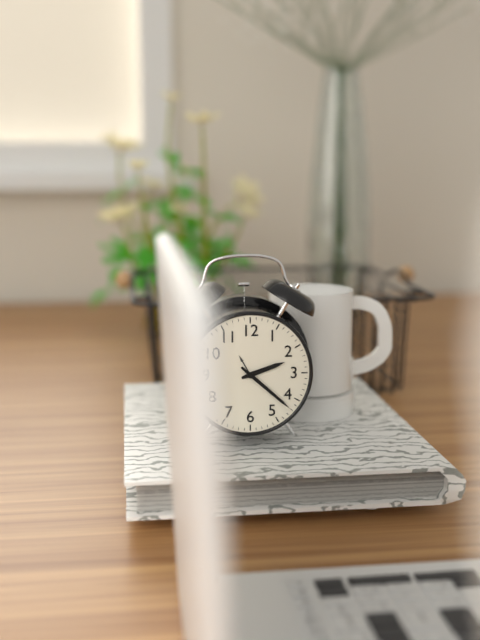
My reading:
2 h 22 min
